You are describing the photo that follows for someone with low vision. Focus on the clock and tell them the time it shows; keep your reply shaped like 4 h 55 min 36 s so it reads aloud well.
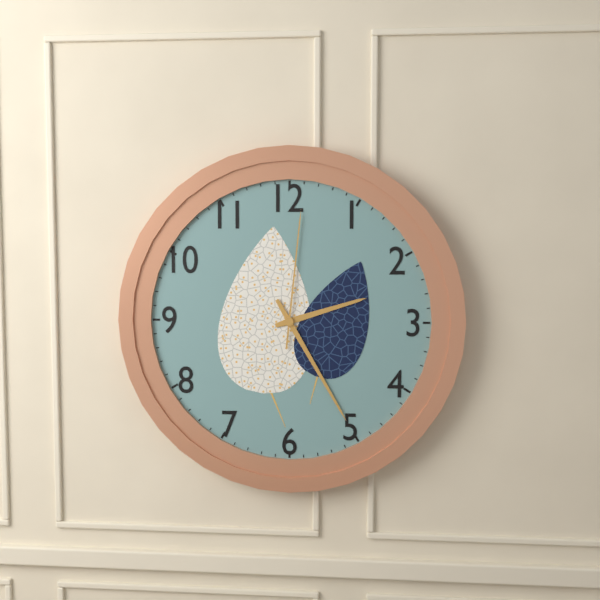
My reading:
2 h 25 min 01 s
